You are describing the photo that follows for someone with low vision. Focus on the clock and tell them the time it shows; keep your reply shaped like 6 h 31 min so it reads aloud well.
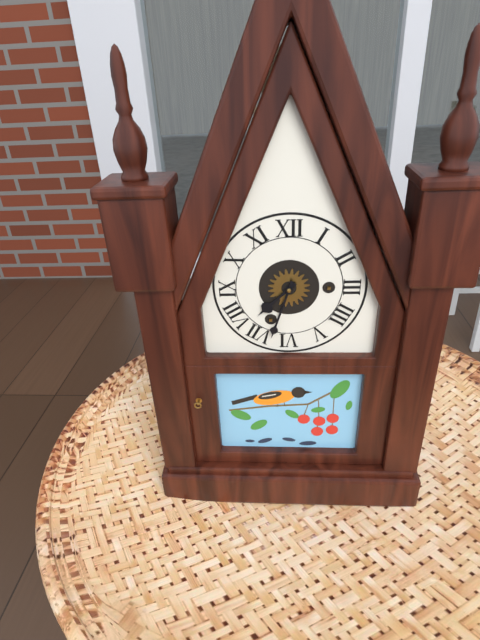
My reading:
7 h 33 min
